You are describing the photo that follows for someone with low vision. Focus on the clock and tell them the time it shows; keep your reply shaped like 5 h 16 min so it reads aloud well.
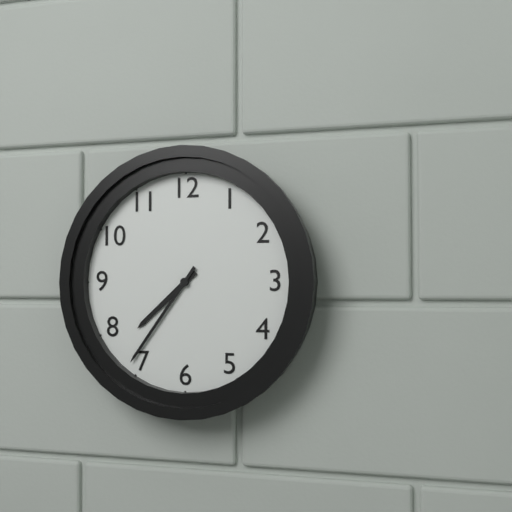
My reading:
7 h 36 min
